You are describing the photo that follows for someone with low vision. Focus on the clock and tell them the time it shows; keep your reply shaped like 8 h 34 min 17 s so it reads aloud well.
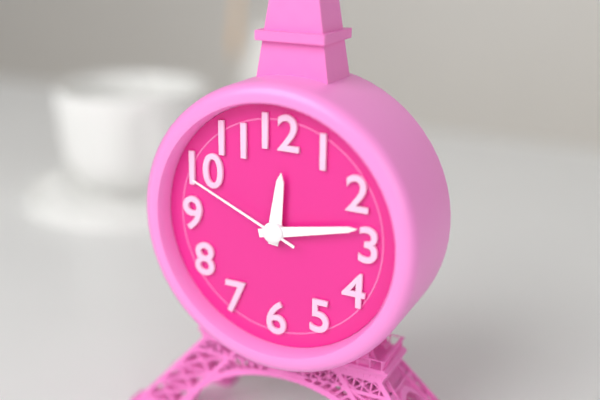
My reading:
12 h 13 min 49 s
